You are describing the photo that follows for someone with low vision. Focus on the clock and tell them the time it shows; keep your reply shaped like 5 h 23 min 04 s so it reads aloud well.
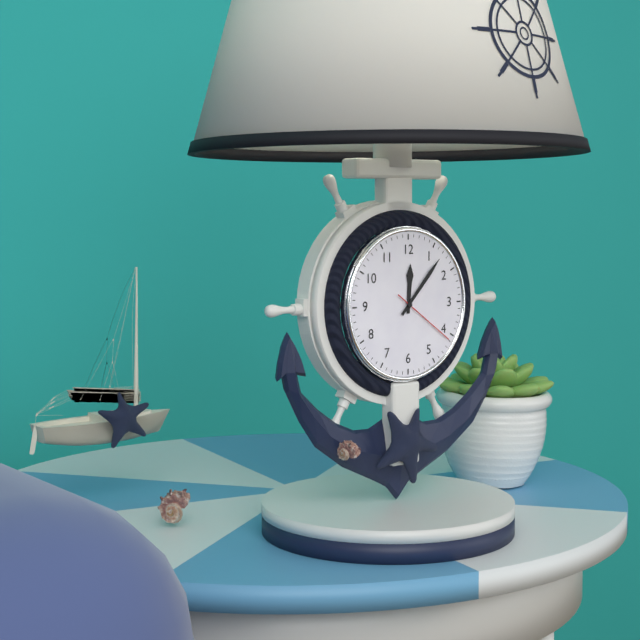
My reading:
12 h 07 min 21 s
